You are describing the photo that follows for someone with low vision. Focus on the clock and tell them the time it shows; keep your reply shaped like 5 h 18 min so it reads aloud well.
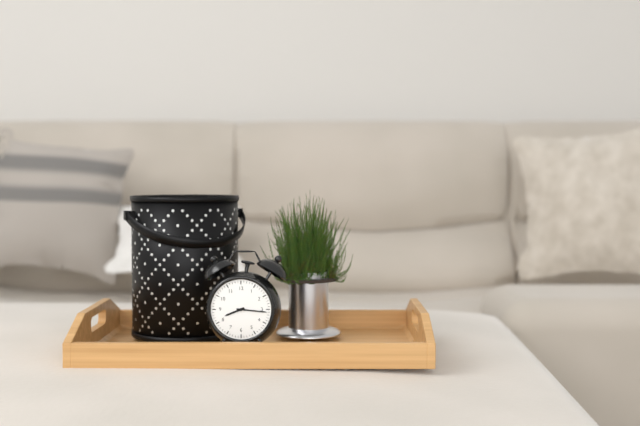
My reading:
8 h 16 min
